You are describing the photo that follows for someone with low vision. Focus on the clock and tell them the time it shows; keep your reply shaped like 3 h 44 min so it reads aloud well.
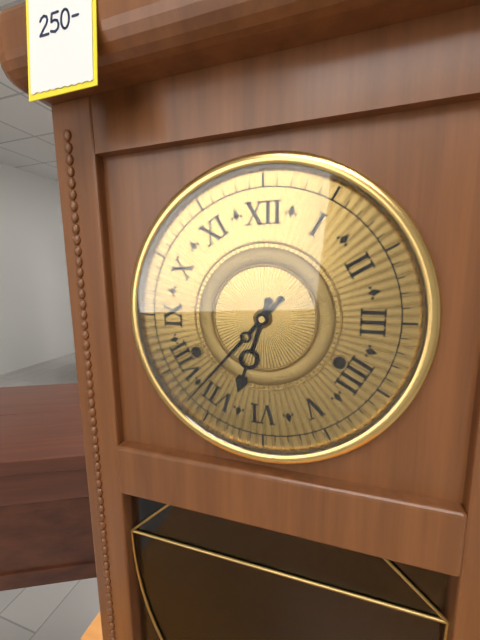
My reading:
6 h 37 min
